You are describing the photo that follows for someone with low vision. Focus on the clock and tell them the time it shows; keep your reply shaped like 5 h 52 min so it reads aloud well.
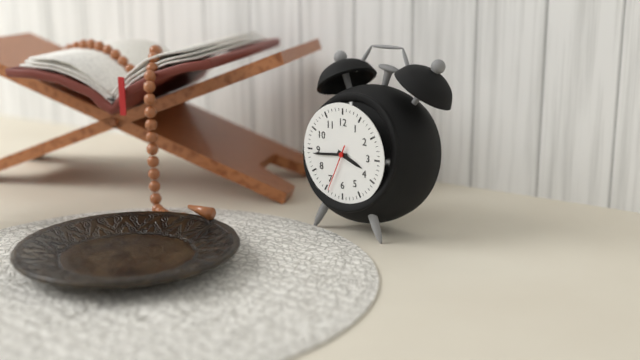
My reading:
3 h 44 min
